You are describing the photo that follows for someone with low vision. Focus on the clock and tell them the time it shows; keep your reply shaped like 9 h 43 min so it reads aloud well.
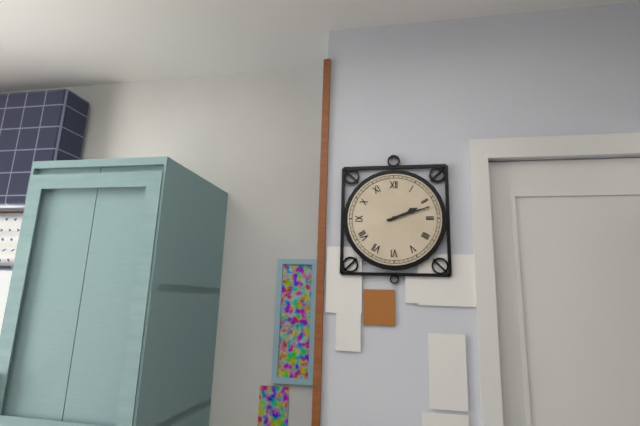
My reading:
2 h 12 min
